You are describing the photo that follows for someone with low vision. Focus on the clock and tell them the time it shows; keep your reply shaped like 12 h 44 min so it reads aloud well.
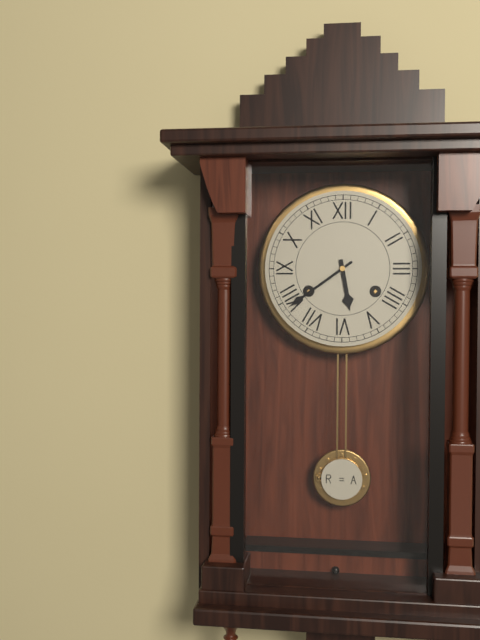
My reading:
5 h 39 min
